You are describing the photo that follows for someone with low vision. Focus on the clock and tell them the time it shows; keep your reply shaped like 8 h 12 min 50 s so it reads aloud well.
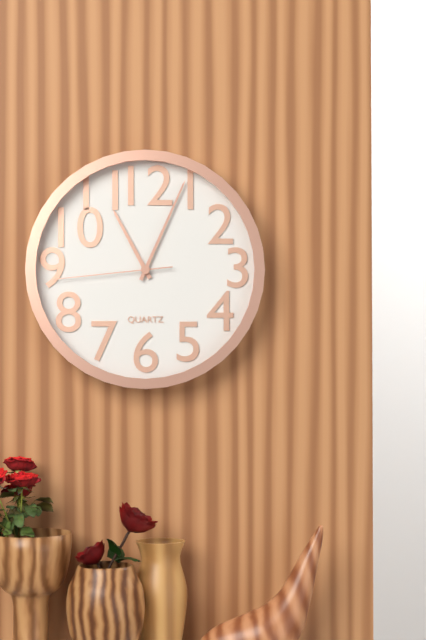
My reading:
11 h 04 min 44 s
